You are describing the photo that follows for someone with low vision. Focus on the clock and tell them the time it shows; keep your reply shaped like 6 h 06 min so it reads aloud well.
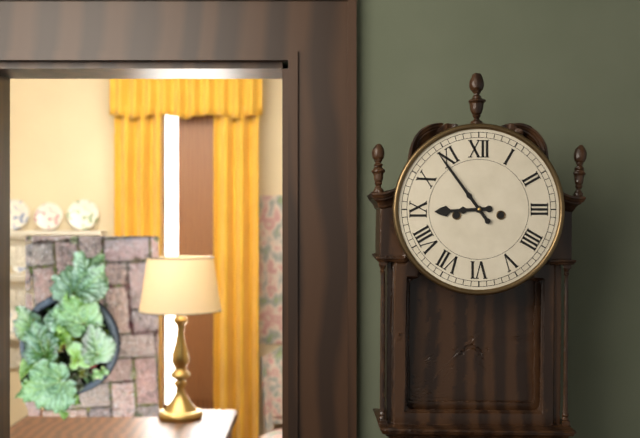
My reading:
8 h 54 min
